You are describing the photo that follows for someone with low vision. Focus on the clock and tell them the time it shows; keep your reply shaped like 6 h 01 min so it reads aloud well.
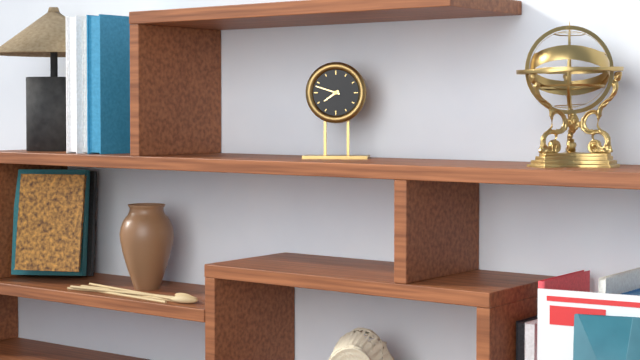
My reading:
7 h 48 min
